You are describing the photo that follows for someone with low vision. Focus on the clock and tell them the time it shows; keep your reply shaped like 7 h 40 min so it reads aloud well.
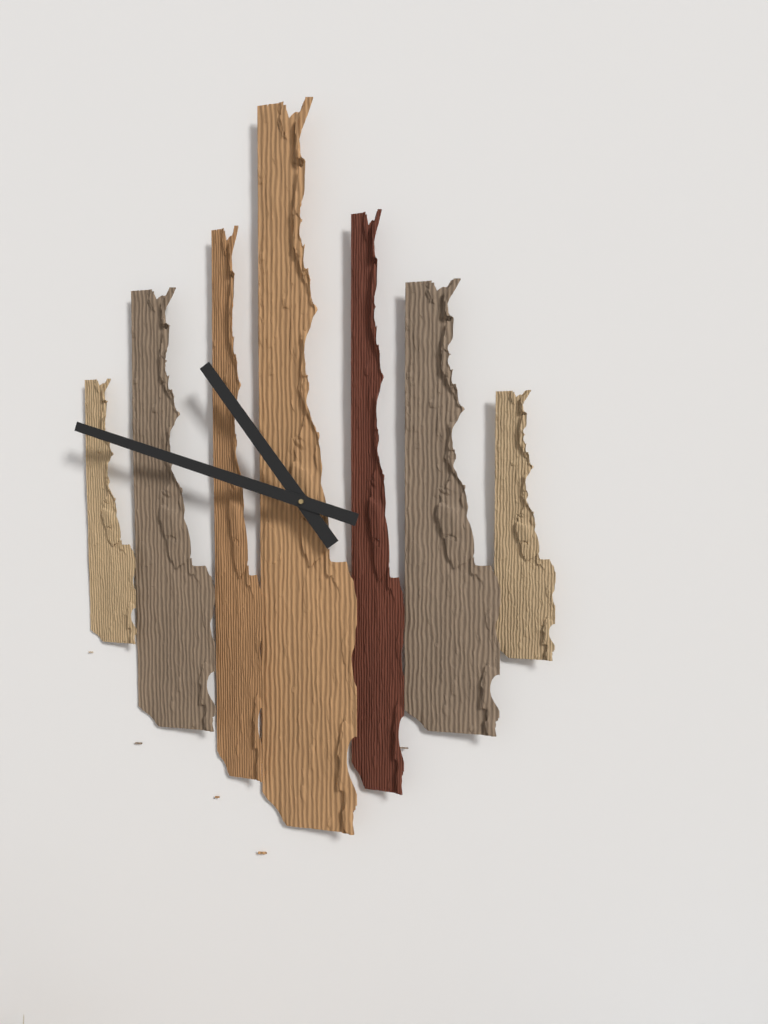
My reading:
10 h 48 min
